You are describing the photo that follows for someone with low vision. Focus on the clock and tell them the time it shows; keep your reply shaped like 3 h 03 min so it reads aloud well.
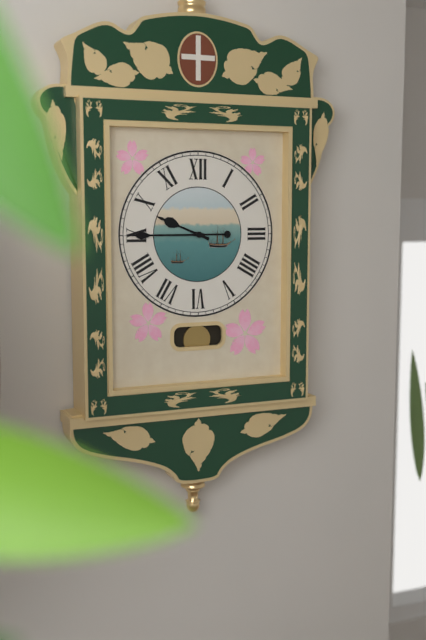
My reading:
9 h 45 min
